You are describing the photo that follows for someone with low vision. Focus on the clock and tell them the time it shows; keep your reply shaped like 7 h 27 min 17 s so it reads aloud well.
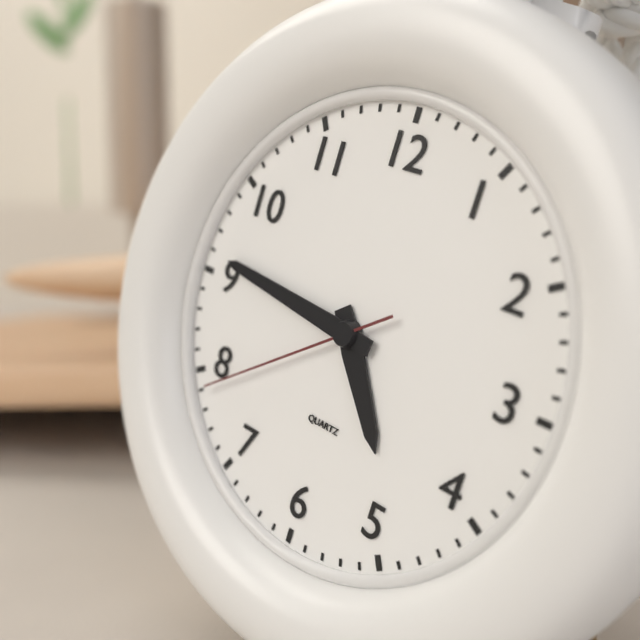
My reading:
4 h 46 min 39 s
